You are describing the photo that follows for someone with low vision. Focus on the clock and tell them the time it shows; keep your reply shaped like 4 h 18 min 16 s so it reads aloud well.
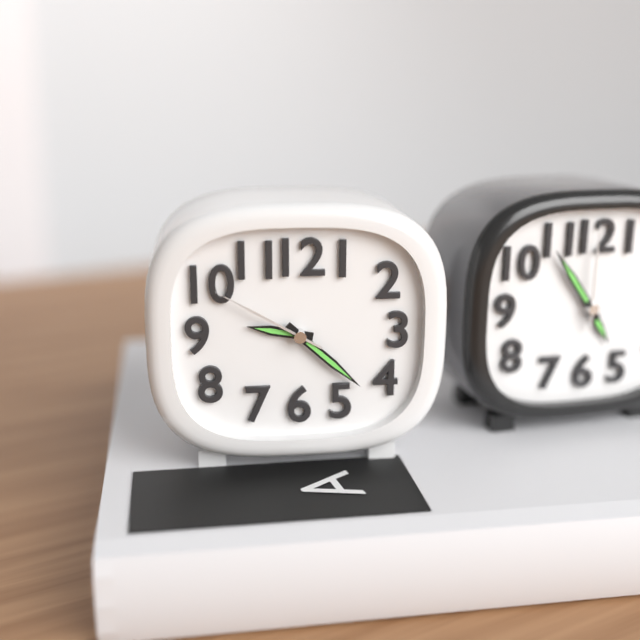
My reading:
9 h 22 min 50 s
